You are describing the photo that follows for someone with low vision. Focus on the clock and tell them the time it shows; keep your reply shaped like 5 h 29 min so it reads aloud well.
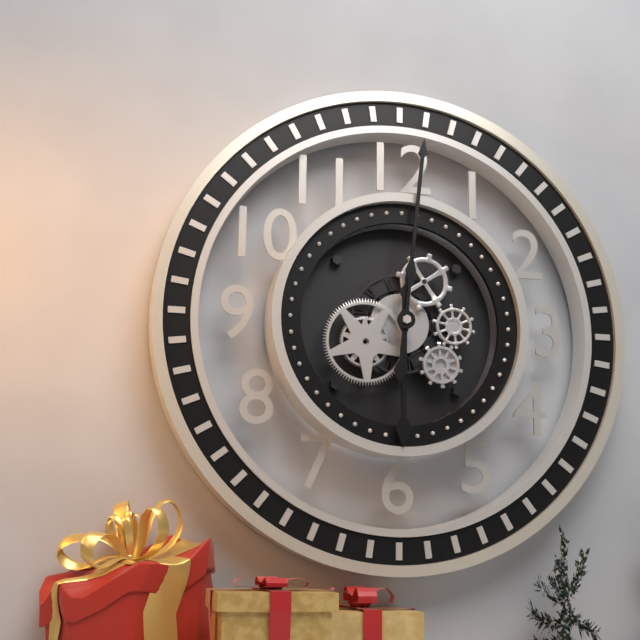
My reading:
6 h 01 min
